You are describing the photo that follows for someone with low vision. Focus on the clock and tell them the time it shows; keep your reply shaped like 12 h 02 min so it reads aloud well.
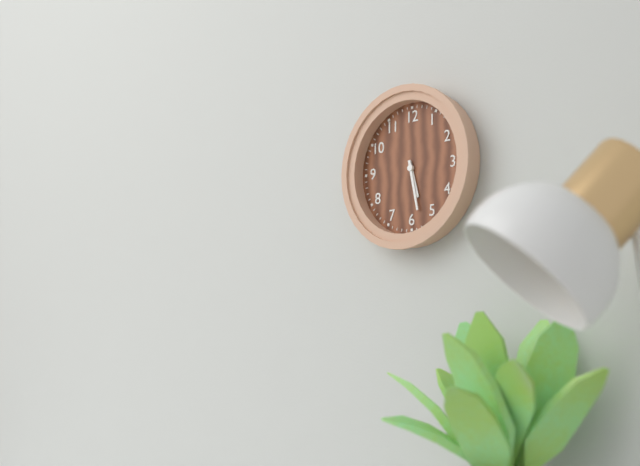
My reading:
5 h 28 min
